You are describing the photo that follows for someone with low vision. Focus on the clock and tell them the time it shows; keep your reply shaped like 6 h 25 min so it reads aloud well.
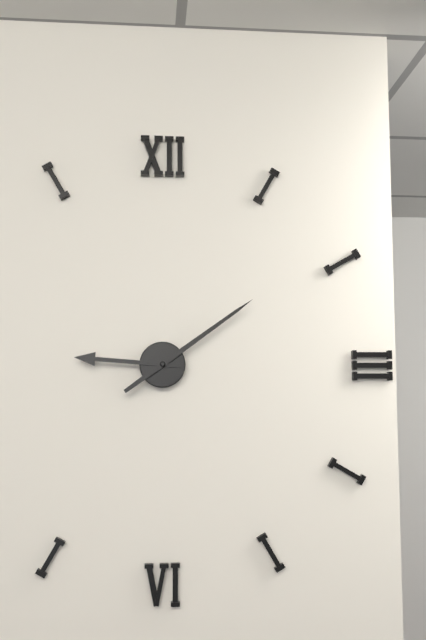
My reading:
9 h 09 min
